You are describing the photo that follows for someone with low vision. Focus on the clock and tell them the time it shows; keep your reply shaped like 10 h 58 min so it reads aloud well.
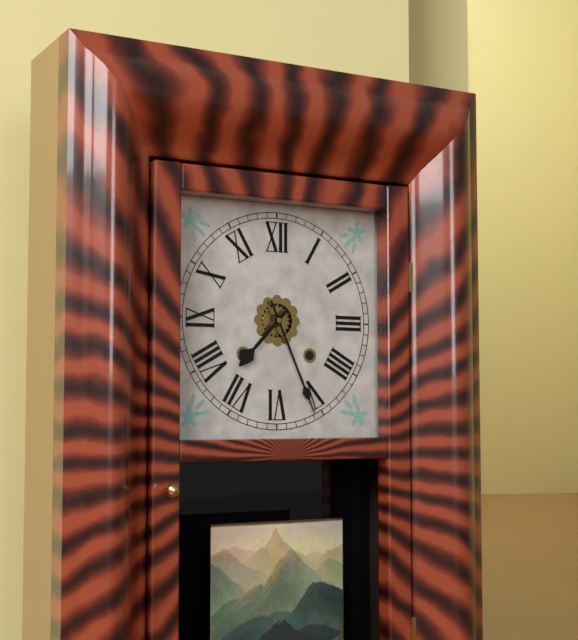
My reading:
7 h 26 min
